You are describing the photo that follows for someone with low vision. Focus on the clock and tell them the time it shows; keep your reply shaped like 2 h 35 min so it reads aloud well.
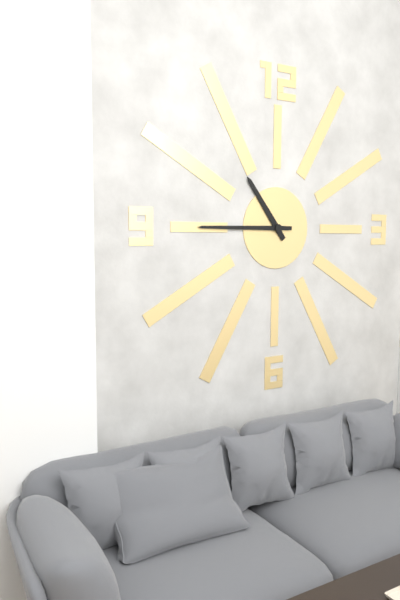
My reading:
10 h 45 min
